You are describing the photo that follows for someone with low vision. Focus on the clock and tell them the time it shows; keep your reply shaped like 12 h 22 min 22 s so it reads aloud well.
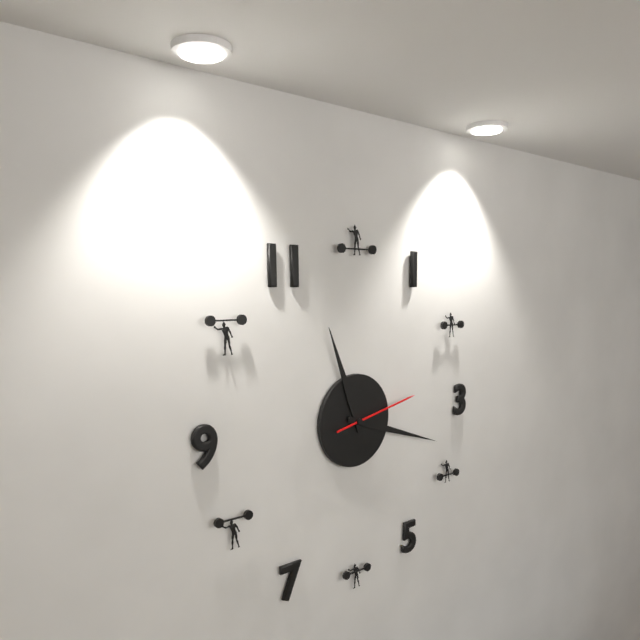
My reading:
11 h 18 min 13 s
